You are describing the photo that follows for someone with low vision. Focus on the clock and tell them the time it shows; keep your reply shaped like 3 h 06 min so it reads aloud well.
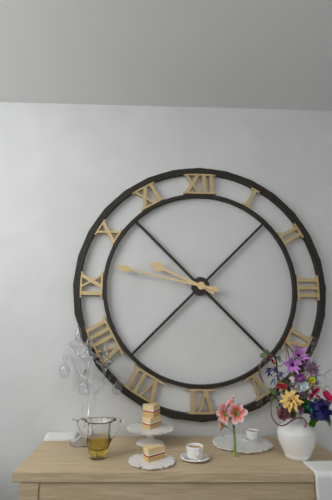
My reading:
9 h 47 min
